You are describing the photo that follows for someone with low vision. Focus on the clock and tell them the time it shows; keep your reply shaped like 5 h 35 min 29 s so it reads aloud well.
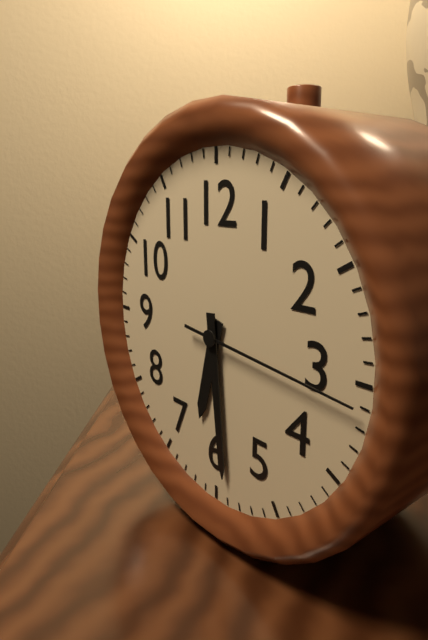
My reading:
6 h 29 min 16 s
